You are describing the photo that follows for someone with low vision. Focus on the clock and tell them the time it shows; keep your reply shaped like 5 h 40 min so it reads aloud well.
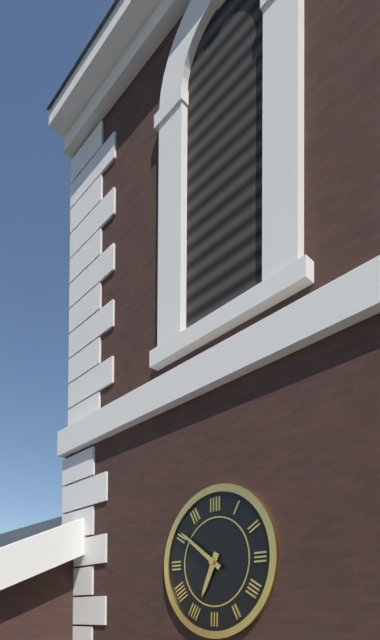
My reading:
6 h 51 min
